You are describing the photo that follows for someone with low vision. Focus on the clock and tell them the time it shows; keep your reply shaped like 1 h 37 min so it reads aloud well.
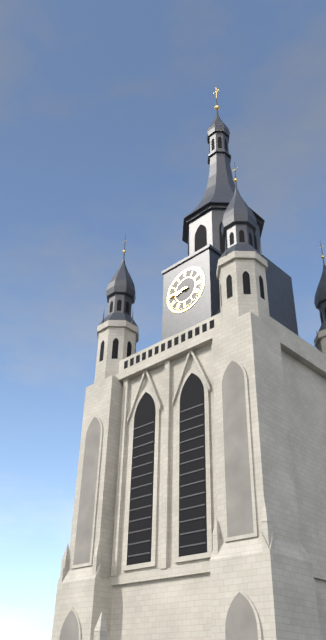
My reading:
8 h 45 min
